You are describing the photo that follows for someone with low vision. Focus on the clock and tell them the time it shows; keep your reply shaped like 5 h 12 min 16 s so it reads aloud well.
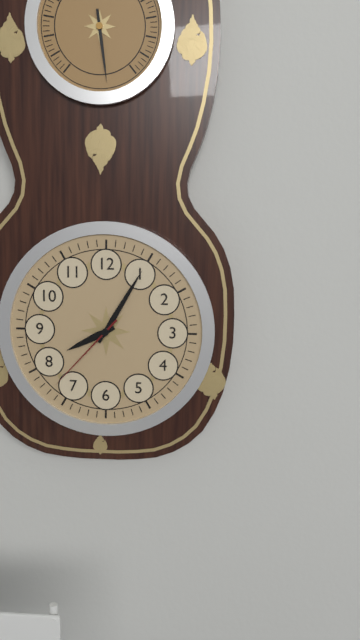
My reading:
8 h 05 min 37 s
